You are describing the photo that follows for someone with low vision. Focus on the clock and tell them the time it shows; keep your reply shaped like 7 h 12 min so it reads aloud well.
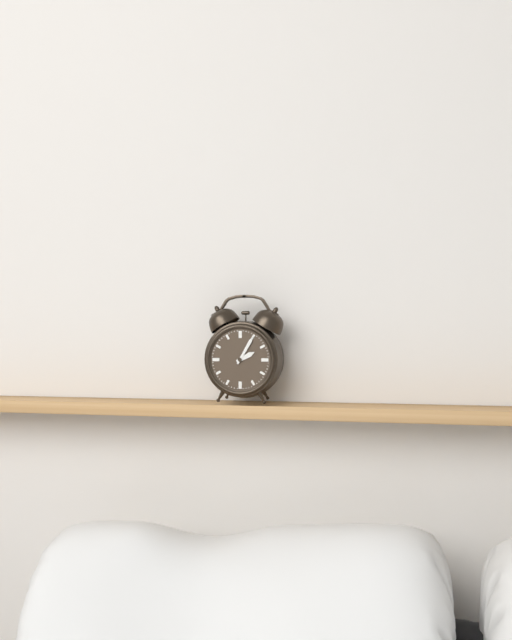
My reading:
2 h 05 min
